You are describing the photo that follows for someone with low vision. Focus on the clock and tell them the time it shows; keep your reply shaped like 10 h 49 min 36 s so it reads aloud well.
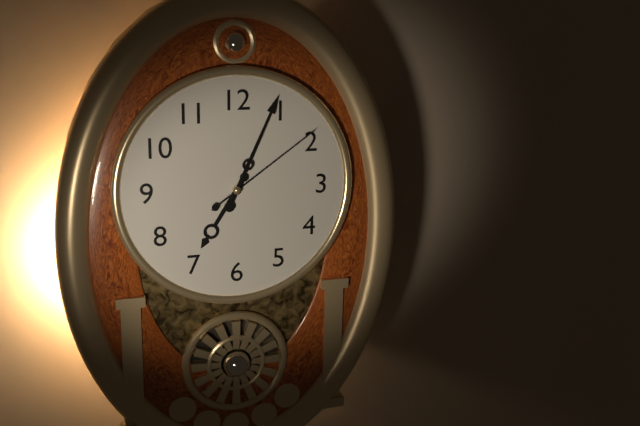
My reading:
7 h 04 min 09 s
